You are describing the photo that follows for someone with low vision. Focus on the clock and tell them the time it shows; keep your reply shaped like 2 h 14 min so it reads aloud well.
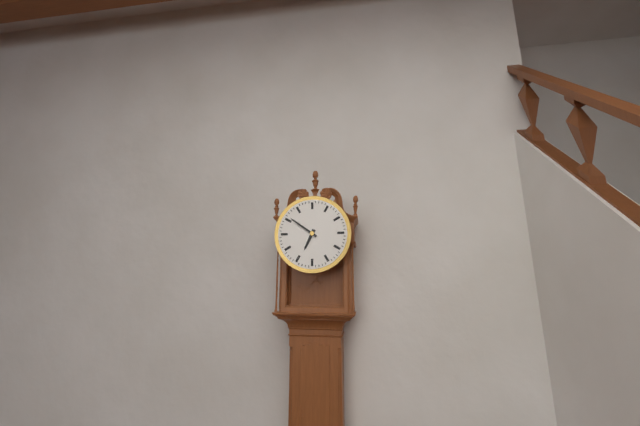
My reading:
6 h 51 min
